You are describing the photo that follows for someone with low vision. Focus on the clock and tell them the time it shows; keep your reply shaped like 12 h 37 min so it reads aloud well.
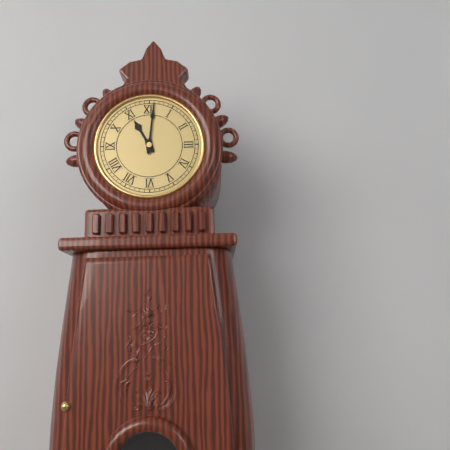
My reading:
11 h 01 min
